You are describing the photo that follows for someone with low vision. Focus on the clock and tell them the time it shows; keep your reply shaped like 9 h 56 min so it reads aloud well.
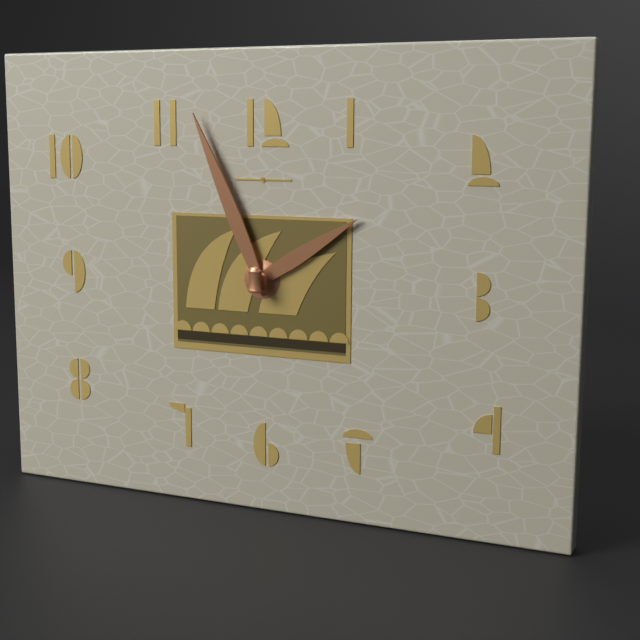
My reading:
1 h 56 min
